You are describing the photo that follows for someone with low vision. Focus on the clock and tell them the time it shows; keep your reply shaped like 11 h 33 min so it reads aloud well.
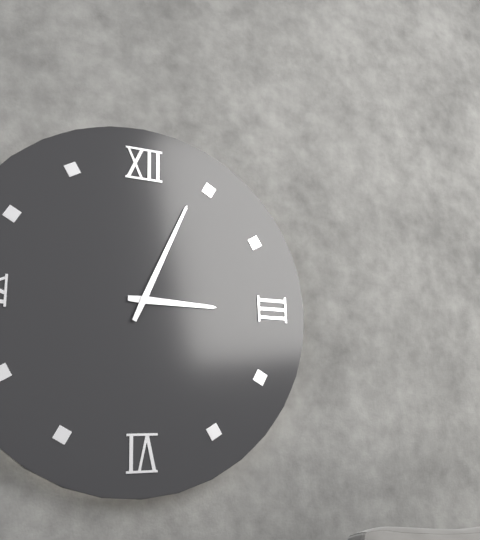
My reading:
3 h 04 min
